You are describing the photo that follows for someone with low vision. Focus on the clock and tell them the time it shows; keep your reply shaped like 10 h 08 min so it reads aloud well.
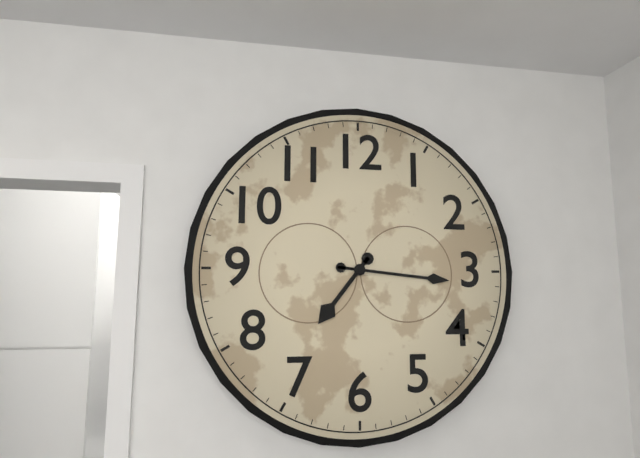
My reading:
7 h 16 min
